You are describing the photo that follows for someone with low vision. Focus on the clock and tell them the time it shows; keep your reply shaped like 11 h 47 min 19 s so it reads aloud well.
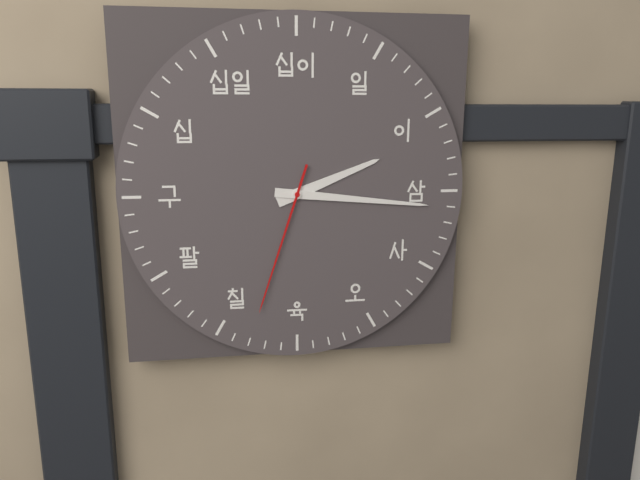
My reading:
2 h 16 min 33 s
